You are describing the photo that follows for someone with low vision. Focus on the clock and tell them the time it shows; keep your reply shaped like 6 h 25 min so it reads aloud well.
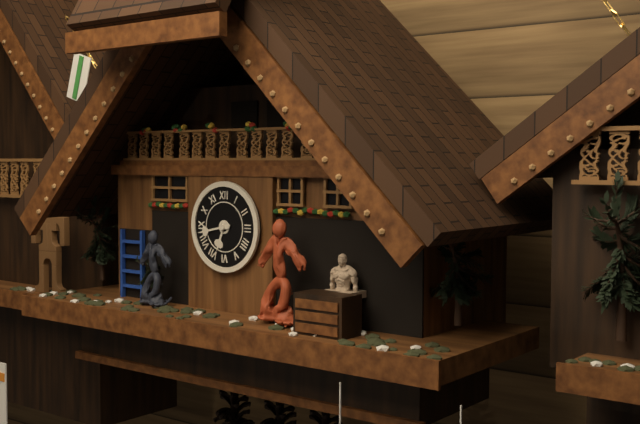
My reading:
6 h 43 min
